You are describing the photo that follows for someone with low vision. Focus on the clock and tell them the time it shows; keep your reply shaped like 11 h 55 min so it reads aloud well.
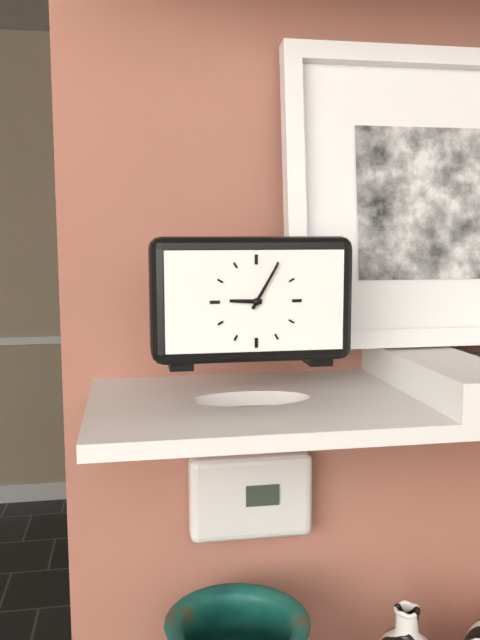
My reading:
9 h 05 min
